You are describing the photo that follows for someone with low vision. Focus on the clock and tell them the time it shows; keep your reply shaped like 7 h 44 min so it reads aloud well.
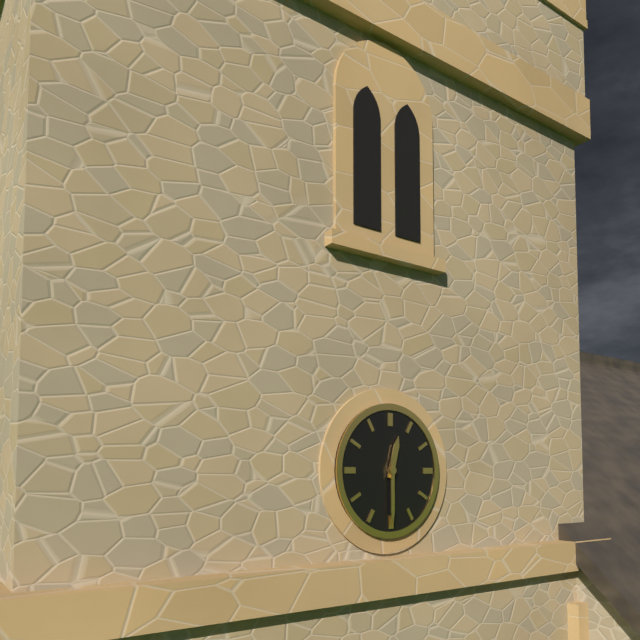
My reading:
12 h 30 min
